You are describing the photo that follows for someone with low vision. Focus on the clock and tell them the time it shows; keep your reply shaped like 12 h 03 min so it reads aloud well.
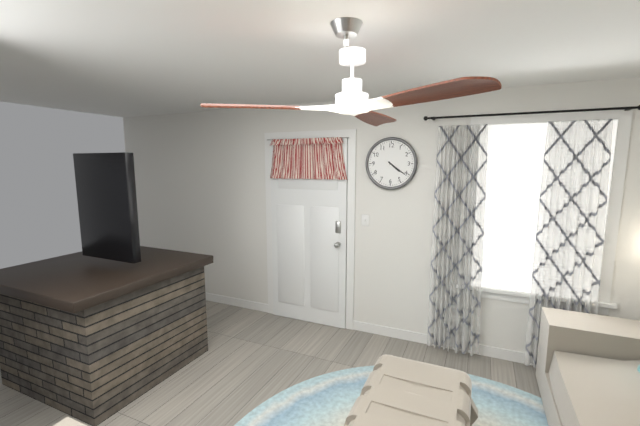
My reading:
4 h 21 min
